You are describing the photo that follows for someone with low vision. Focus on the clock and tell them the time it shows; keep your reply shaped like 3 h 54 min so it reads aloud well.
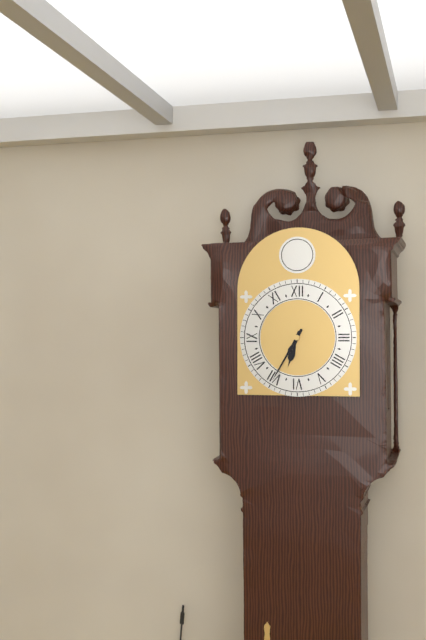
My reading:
6 h 35 min
